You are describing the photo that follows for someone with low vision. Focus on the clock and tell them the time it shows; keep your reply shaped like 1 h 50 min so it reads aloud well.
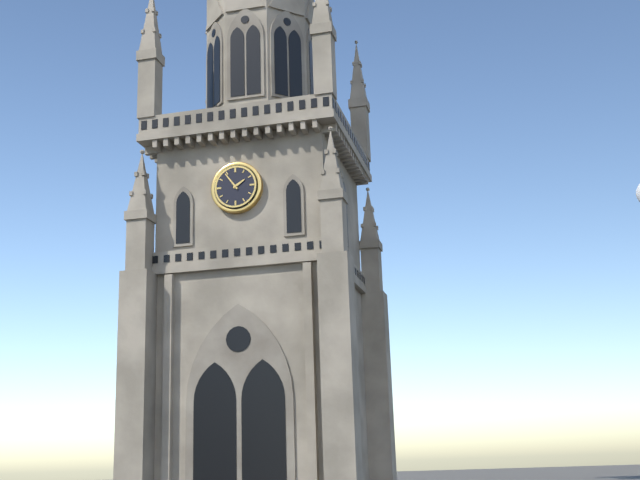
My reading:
1 h 54 min
